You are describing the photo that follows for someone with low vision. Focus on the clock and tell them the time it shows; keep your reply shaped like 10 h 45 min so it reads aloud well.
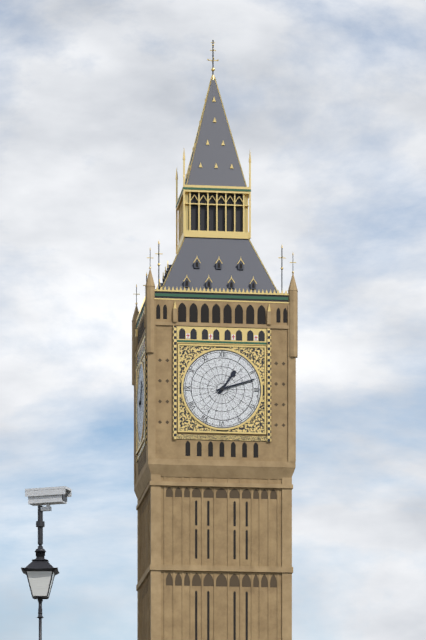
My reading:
1 h 12 min
